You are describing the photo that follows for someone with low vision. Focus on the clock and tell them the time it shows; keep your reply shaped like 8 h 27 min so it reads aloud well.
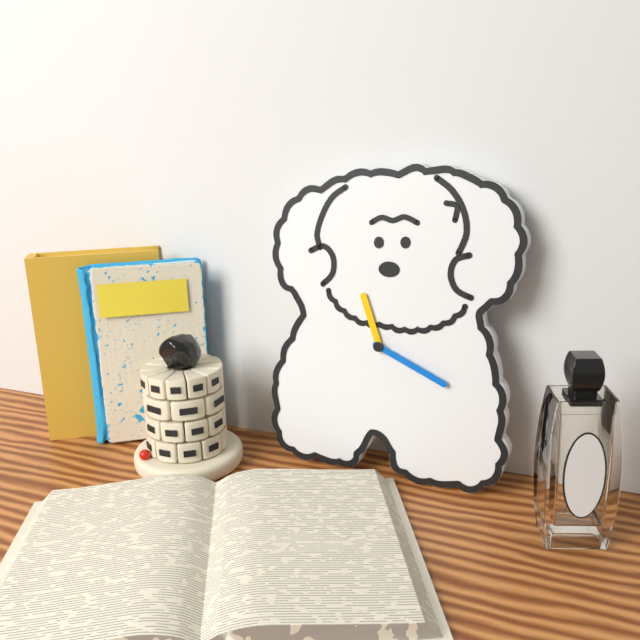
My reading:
11 h 19 min
